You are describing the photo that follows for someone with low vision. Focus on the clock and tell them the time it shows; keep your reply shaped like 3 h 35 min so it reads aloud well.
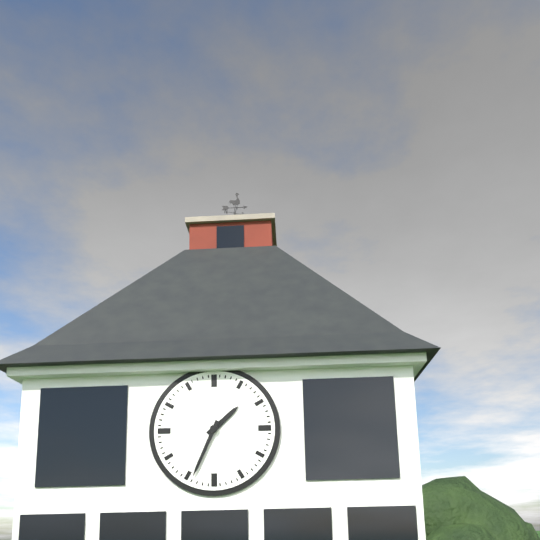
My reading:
1 h 34 min
